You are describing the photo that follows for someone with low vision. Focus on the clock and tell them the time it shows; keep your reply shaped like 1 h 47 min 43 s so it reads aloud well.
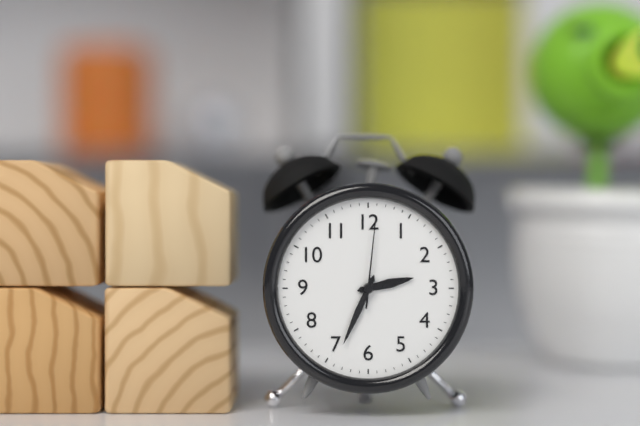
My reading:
2 h 34 min 01 s
